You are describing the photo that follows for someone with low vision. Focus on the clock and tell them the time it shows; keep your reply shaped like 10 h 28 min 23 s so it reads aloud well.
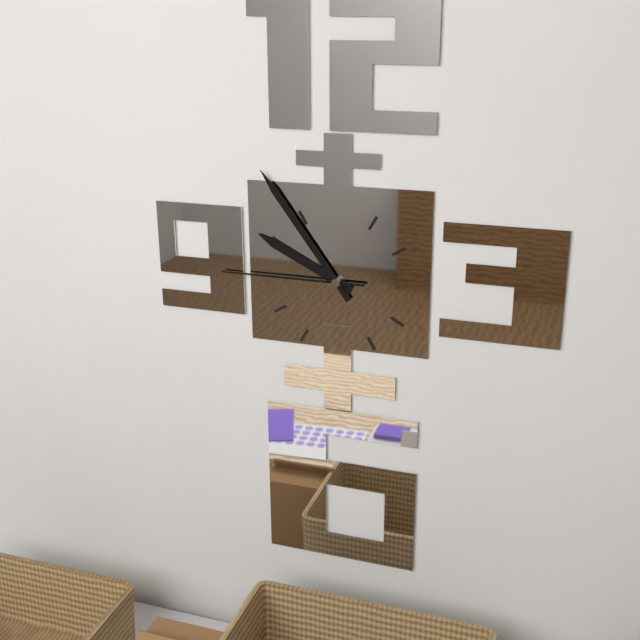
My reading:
9 h 54 min 45 s
